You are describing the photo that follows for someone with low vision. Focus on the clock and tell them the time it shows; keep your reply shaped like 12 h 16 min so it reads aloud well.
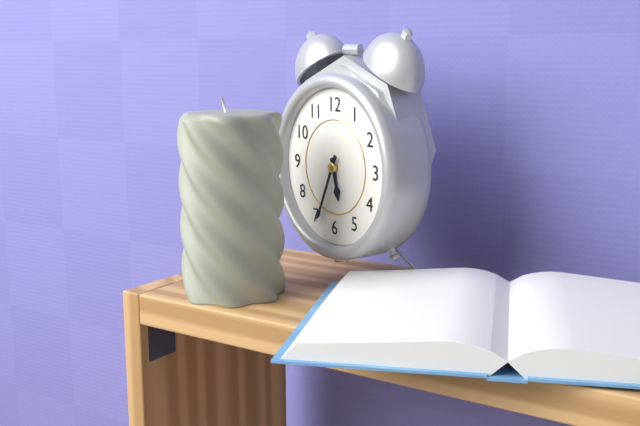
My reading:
5 h 34 min
